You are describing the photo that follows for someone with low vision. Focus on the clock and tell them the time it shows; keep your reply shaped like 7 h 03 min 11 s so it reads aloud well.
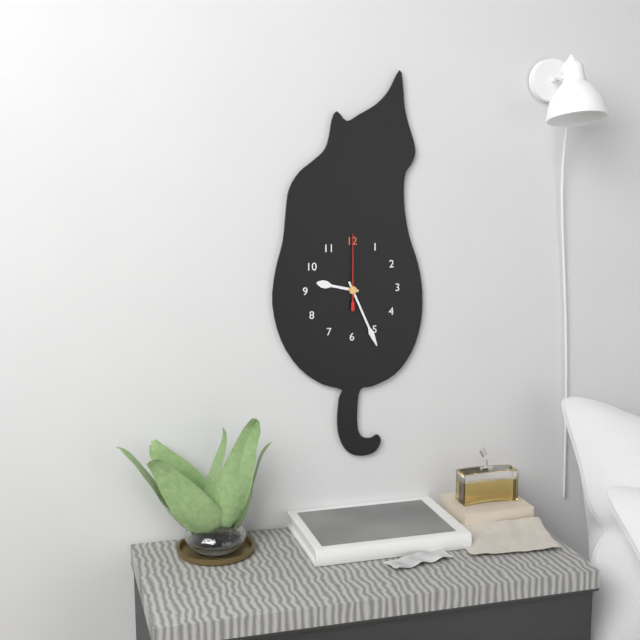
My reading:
9 h 26 min 00 s
